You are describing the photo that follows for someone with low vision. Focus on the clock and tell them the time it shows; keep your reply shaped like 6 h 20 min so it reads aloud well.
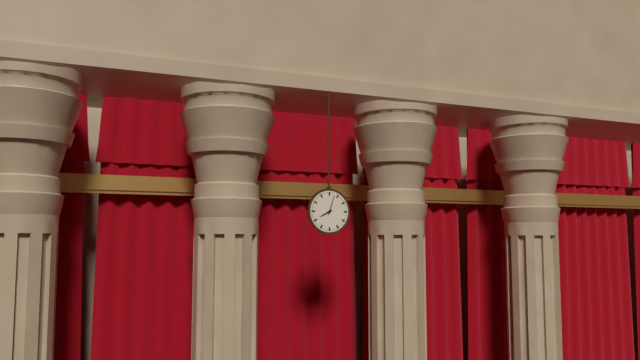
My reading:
8 h 03 min
